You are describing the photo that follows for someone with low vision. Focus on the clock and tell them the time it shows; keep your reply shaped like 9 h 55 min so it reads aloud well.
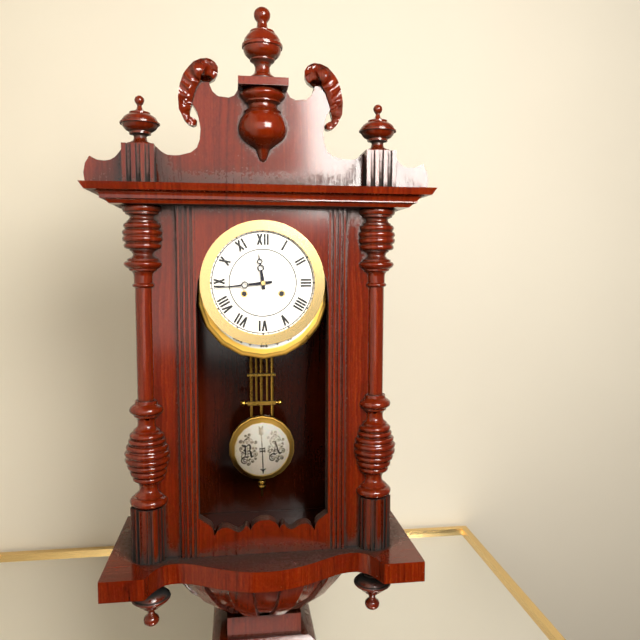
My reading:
11 h 44 min
